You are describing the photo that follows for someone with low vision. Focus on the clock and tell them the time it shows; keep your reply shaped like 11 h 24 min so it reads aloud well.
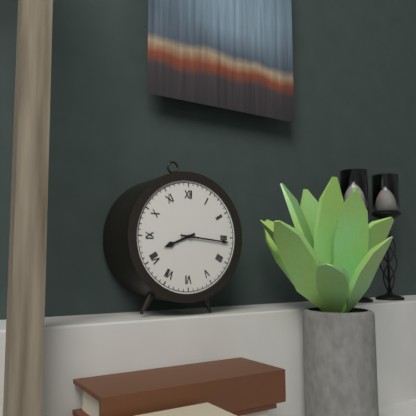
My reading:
8 h 16 min
